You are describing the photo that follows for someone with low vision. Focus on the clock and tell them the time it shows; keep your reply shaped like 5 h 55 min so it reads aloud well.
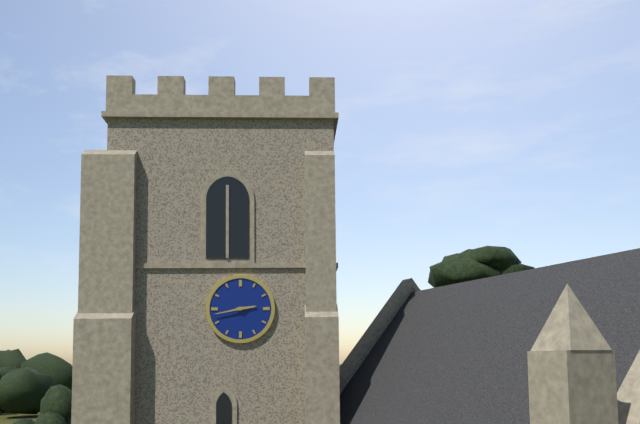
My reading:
2 h 43 min
